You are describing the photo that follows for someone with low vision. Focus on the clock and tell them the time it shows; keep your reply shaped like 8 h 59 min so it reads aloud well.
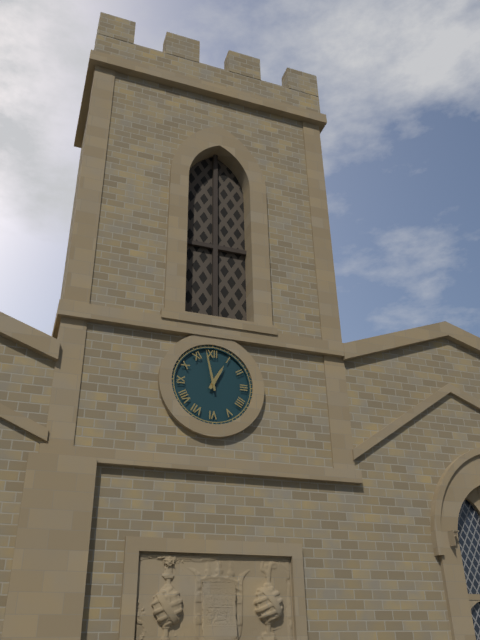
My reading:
12 h 58 min
